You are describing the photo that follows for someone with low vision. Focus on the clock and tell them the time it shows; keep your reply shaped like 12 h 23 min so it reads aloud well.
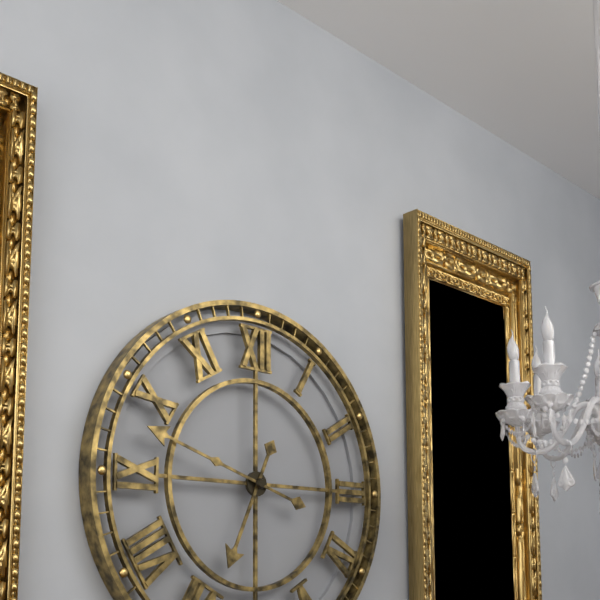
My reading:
6 h 48 min
